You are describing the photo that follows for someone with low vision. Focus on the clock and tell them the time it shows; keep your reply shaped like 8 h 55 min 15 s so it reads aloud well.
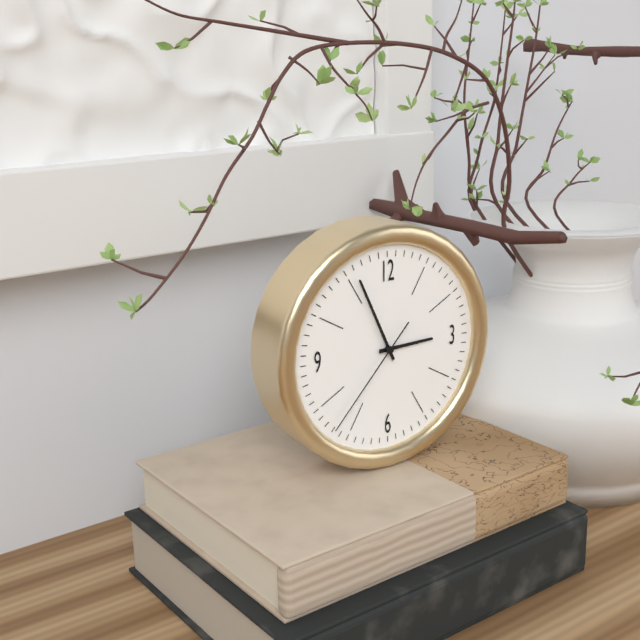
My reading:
2 h 56 min 37 s
